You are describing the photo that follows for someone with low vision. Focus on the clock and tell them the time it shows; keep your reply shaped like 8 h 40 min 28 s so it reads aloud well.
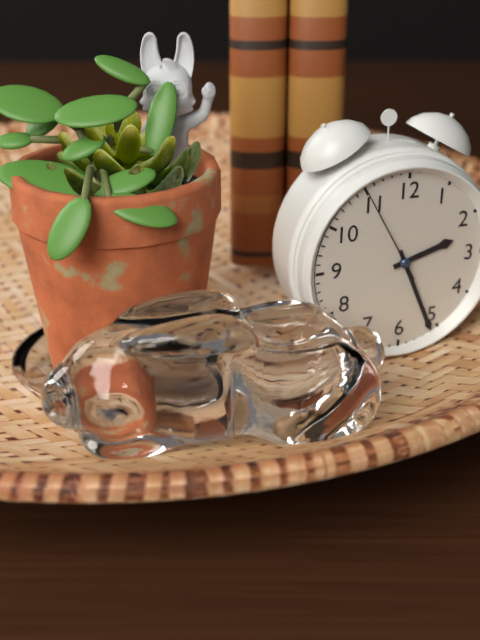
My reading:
2 h 26 min 55 s
